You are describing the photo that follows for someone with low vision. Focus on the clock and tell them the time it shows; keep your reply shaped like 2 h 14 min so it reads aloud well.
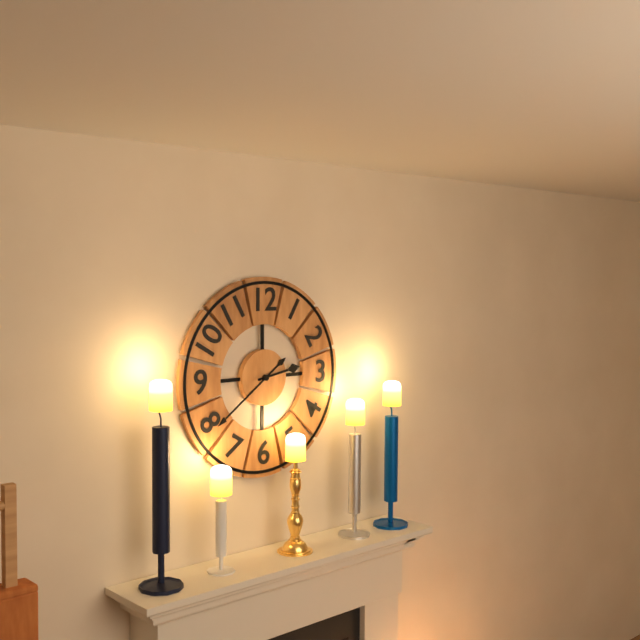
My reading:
2 h 39 min
